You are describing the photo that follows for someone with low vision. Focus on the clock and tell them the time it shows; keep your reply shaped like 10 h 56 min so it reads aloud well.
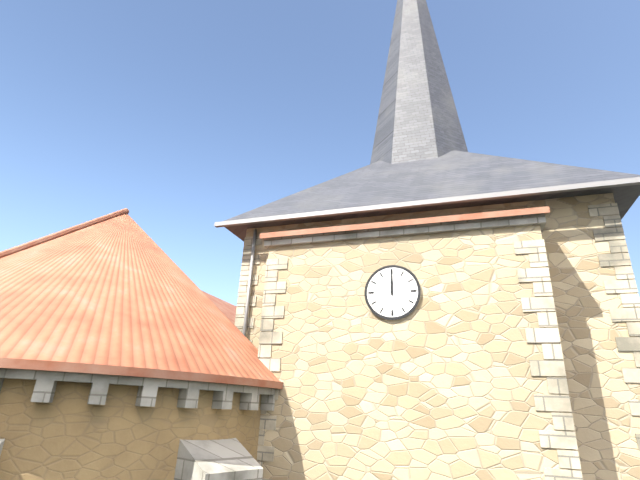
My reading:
12 h 00 min
